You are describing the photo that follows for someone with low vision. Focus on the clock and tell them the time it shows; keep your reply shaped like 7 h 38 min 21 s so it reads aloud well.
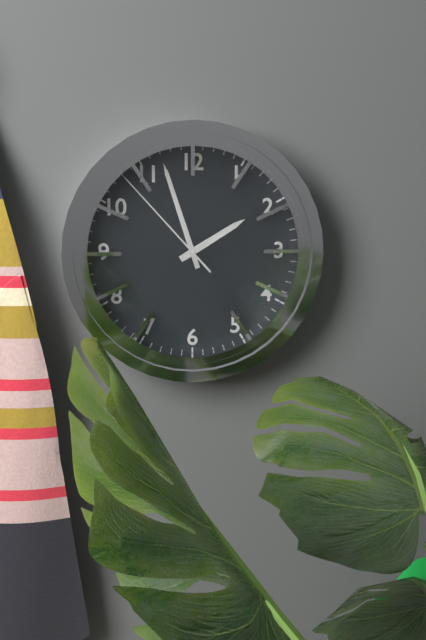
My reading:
1 h 57 min 53 s
